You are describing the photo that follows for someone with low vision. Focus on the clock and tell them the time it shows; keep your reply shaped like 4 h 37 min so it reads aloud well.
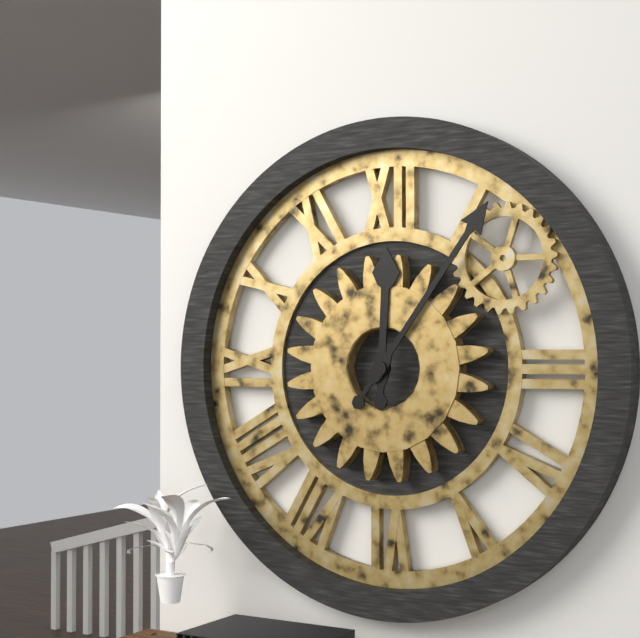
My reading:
12 h 06 min
